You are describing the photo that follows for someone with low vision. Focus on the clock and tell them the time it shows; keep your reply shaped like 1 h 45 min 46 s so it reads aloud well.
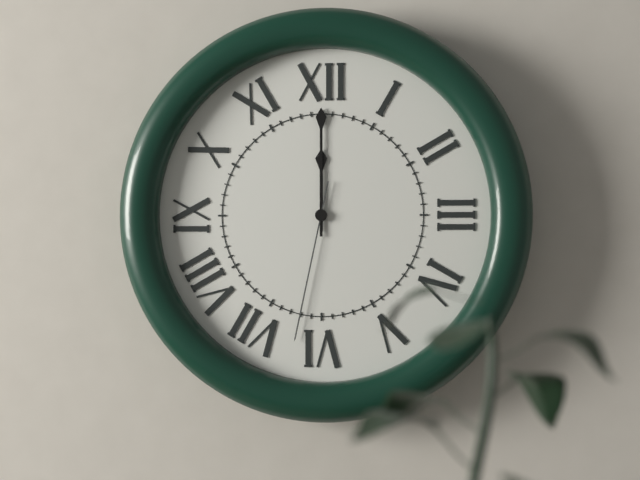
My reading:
12 h 00 min 32 s
